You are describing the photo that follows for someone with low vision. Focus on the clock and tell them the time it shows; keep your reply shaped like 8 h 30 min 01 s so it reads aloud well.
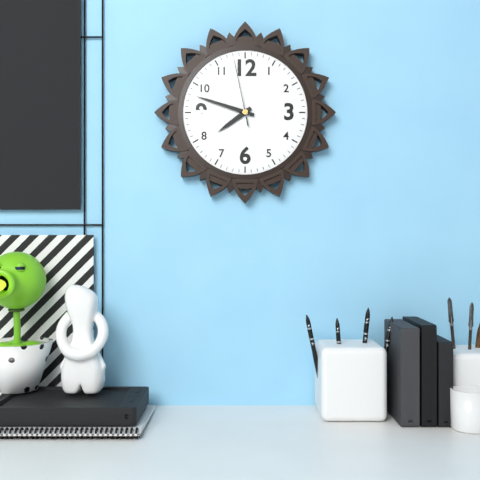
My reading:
7 h 48 min 58 s
